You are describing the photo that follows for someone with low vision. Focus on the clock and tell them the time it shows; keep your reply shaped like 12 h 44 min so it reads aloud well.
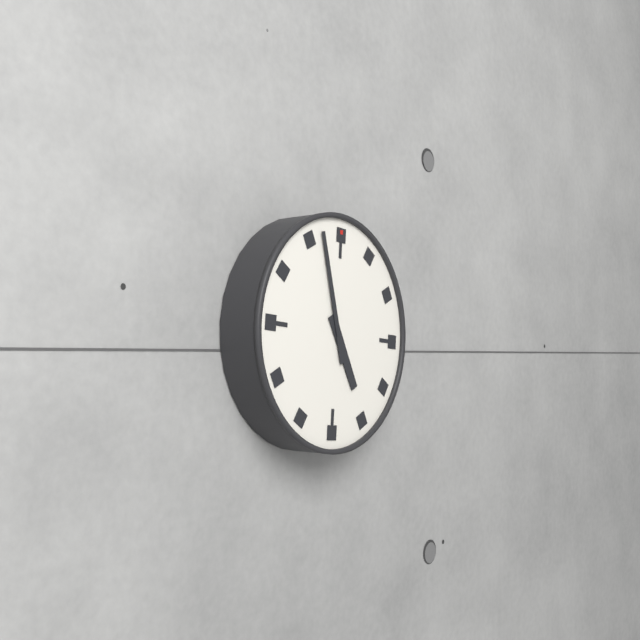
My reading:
4 h 57 min
